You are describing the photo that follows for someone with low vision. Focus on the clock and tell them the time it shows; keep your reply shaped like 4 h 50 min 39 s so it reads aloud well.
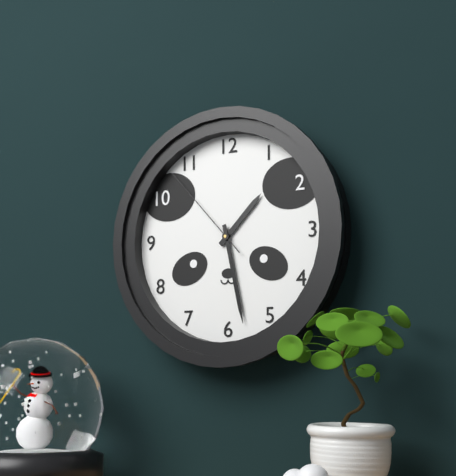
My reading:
1 h 28 min 53 s
